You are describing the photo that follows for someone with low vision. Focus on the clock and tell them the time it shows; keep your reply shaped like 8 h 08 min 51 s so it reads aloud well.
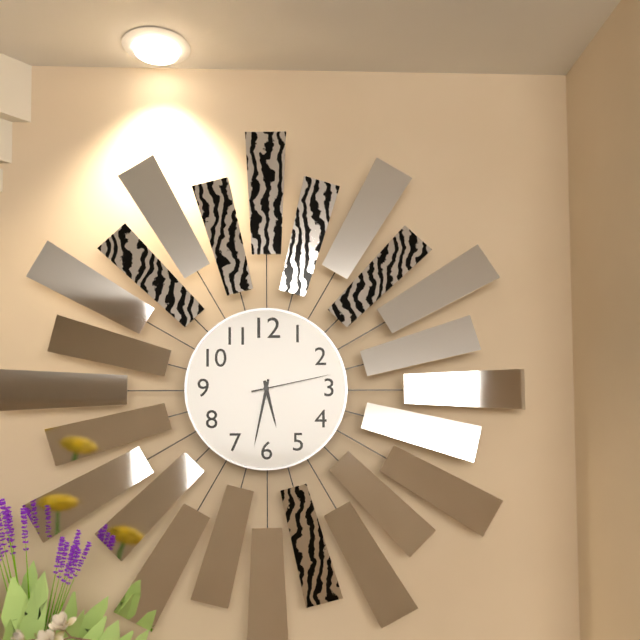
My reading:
5 h 32 min 13 s
